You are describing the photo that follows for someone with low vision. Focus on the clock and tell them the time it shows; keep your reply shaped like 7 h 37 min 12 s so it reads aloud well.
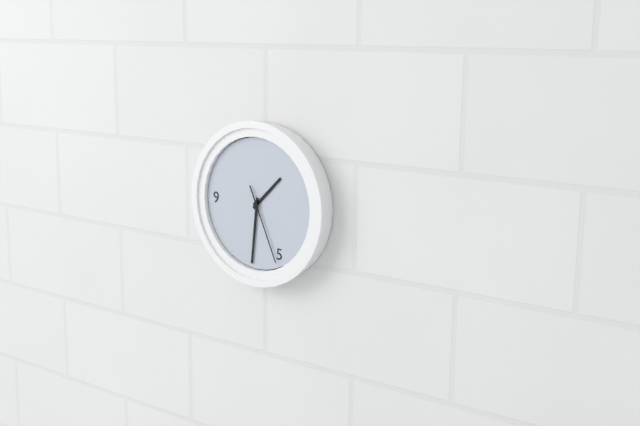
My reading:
1 h 31 min 26 s
